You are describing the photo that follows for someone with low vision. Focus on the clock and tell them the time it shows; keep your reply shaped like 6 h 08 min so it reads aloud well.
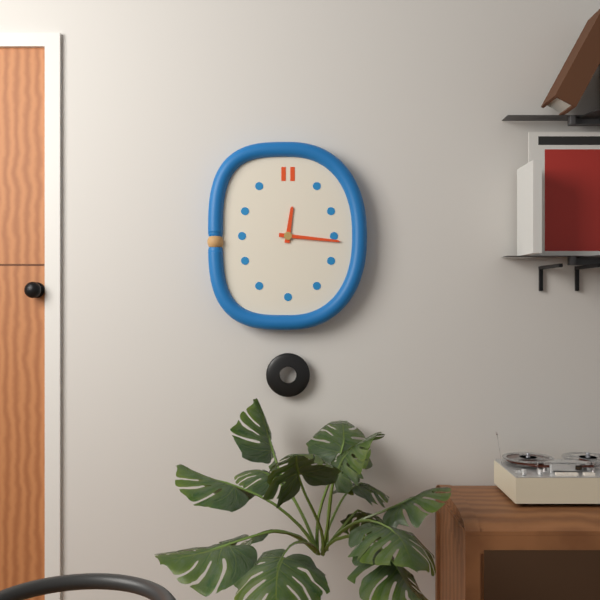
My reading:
12 h 16 min
